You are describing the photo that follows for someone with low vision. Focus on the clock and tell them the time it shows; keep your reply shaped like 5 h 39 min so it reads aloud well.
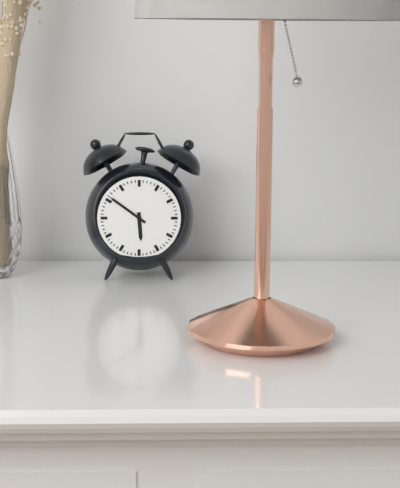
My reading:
5 h 51 min
